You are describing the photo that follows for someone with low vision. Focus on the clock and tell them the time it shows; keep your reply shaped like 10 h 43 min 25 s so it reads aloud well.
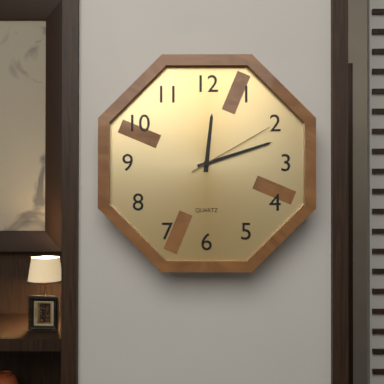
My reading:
12 h 12 min 10 s
